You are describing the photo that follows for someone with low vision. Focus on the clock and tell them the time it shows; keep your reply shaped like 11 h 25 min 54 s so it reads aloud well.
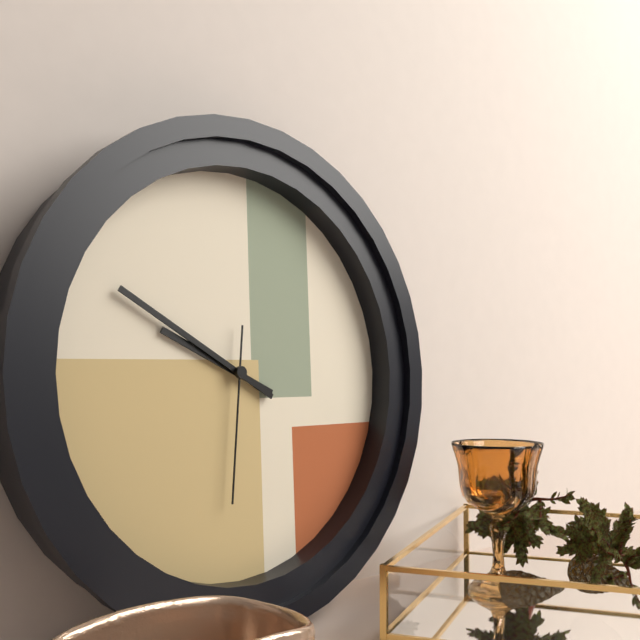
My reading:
9 h 50 min 31 s
